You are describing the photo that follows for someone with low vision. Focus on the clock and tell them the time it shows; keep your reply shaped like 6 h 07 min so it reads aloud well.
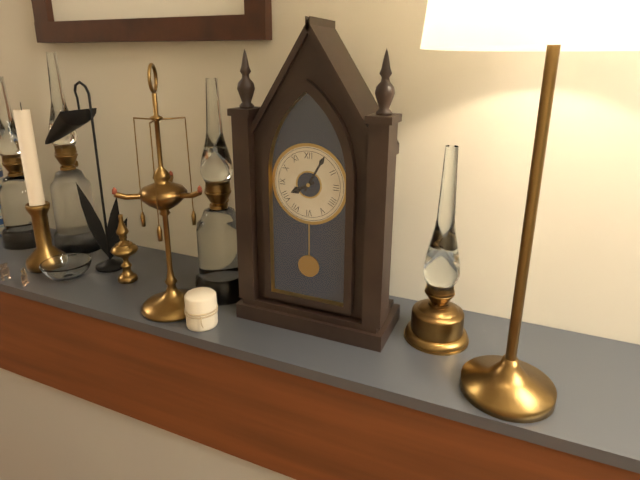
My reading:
8 h 05 min
